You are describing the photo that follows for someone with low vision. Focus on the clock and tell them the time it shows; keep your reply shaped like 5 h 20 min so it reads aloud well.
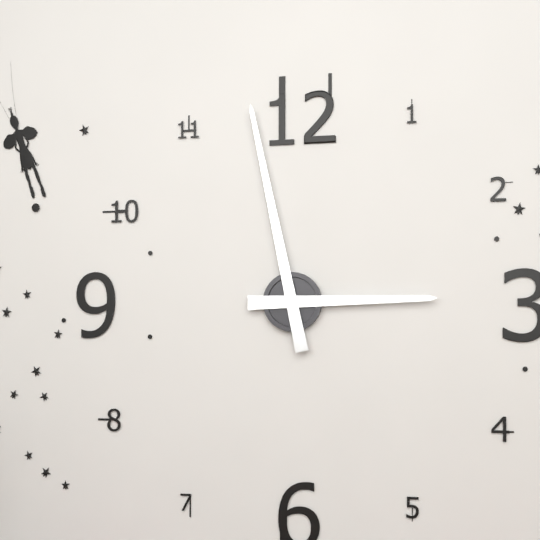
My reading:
2 h 58 min
